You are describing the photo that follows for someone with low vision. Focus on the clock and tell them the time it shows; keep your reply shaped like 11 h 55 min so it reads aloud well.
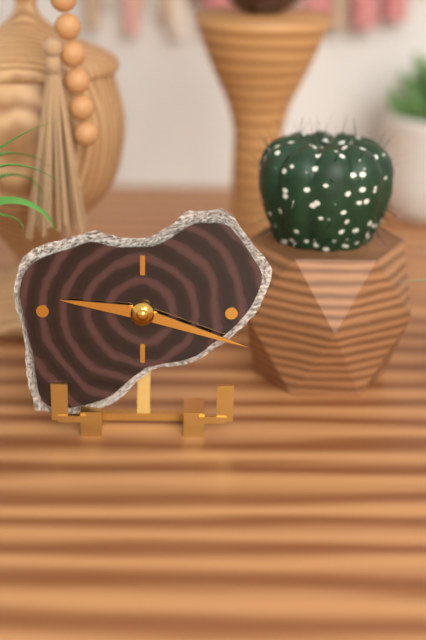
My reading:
9 h 18 min
